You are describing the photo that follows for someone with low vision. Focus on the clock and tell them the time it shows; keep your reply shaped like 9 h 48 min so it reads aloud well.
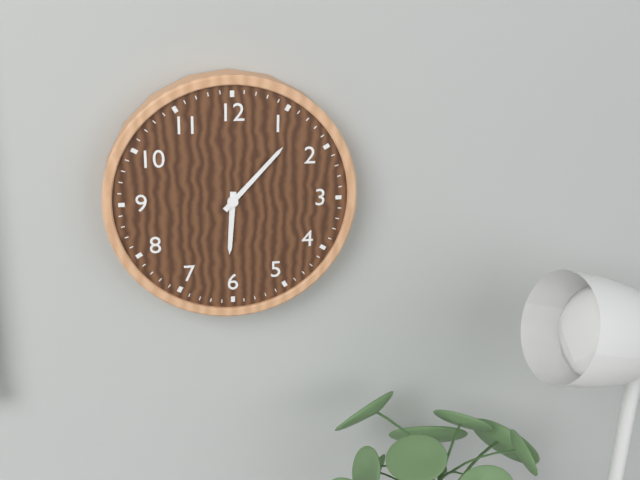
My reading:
6 h 07 min
